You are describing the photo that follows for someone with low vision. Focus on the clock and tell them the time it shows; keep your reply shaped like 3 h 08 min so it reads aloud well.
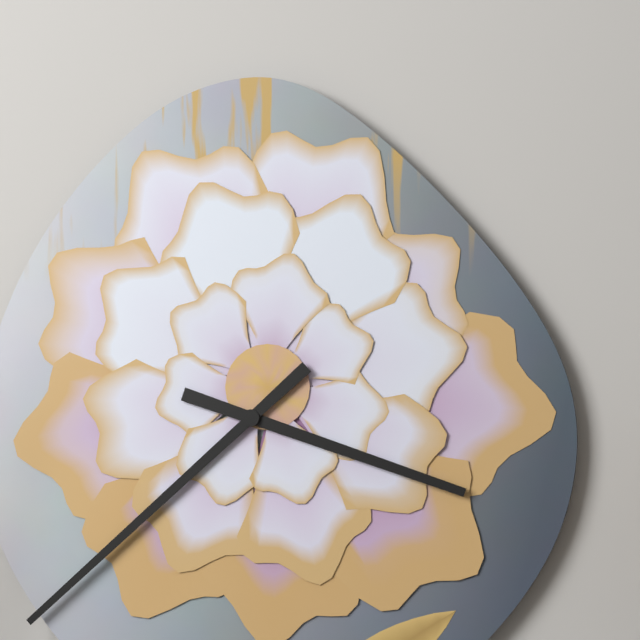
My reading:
3 h 38 min
